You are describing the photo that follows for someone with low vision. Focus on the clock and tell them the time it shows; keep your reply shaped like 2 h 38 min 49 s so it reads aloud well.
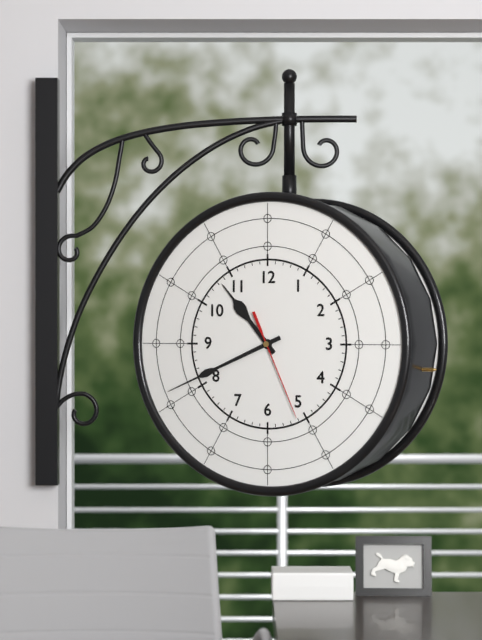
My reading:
10 h 41 min 26 s
